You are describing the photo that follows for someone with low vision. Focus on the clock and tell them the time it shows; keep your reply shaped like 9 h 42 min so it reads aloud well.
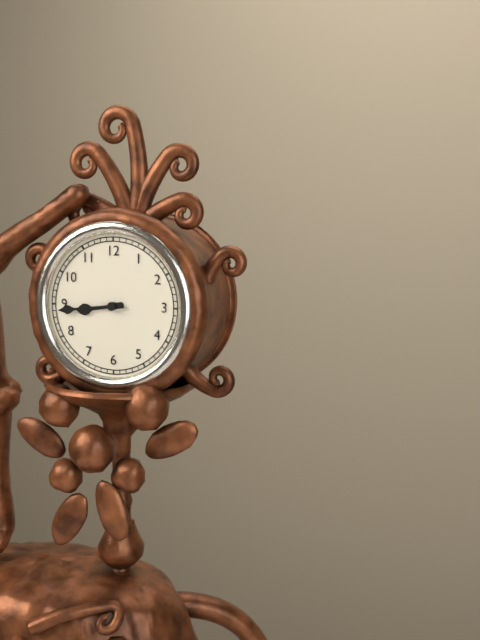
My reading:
8 h 44 min
